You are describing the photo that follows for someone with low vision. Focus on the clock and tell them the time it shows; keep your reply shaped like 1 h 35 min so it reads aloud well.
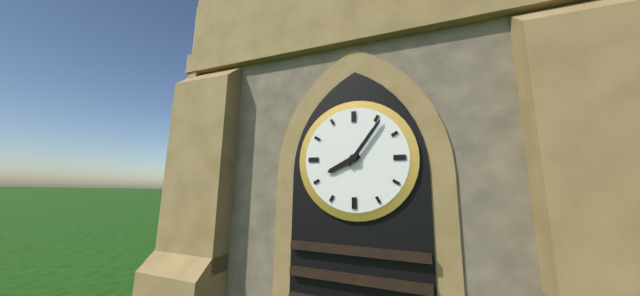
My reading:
8 h 06 min
